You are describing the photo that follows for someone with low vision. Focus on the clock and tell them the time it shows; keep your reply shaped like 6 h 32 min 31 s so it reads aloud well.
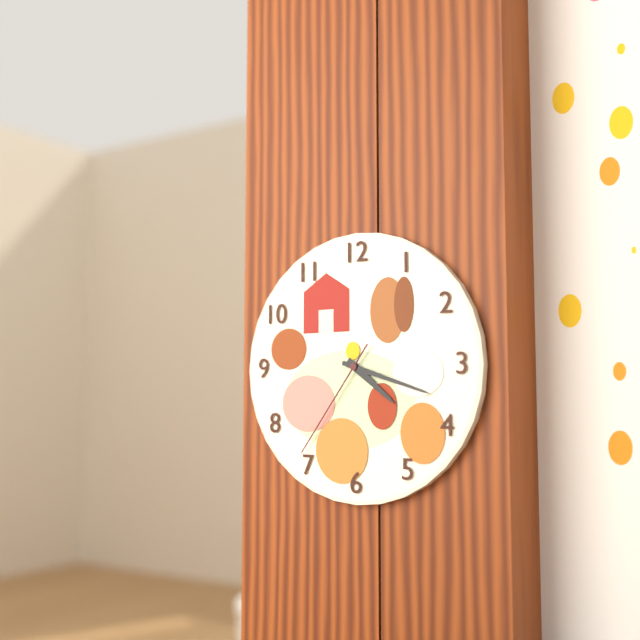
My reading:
4 h 18 min 36 s
